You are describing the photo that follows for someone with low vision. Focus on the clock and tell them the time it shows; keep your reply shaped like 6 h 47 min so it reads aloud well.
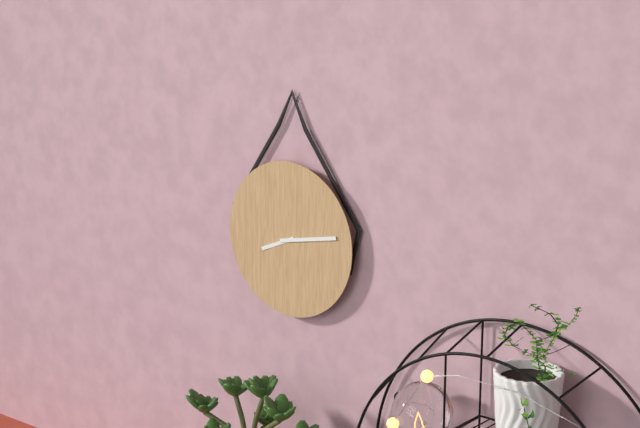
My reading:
8 h 13 min
